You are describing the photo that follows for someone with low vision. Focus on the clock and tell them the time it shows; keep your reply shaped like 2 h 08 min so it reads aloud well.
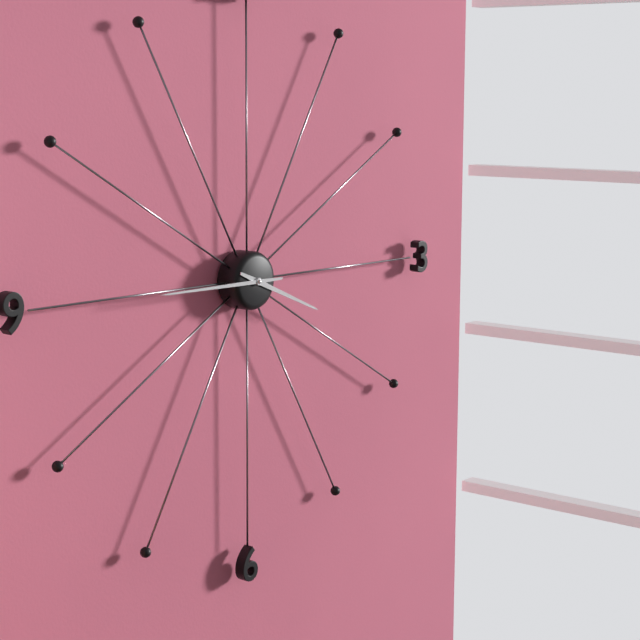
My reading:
3 h 45 min
